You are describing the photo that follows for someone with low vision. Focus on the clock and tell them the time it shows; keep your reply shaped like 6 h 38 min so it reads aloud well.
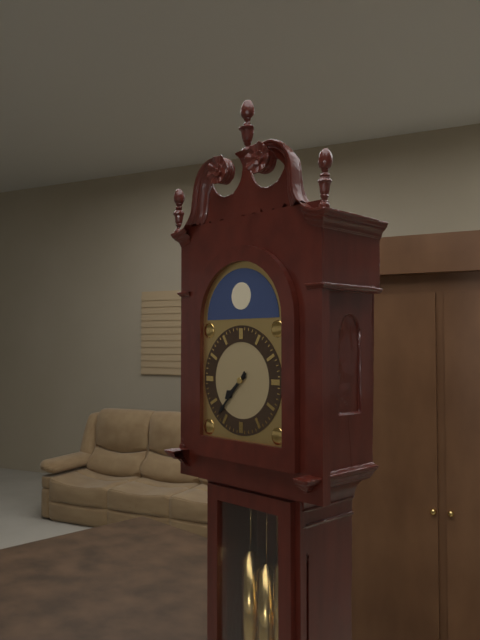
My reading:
7 h 37 min
